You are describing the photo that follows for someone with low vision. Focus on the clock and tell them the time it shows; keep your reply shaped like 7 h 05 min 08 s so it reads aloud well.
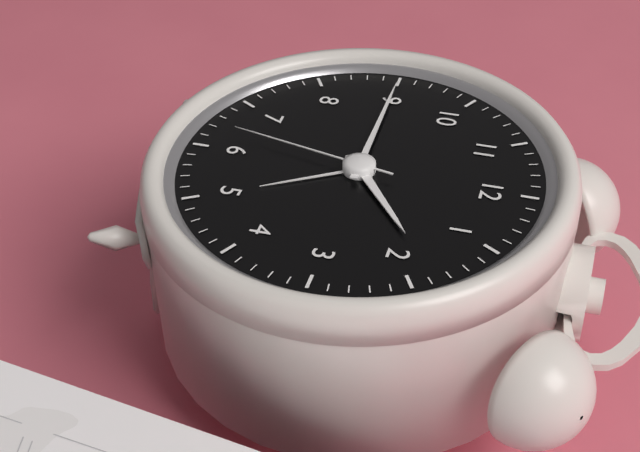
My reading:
1 h 45 min 32 s
